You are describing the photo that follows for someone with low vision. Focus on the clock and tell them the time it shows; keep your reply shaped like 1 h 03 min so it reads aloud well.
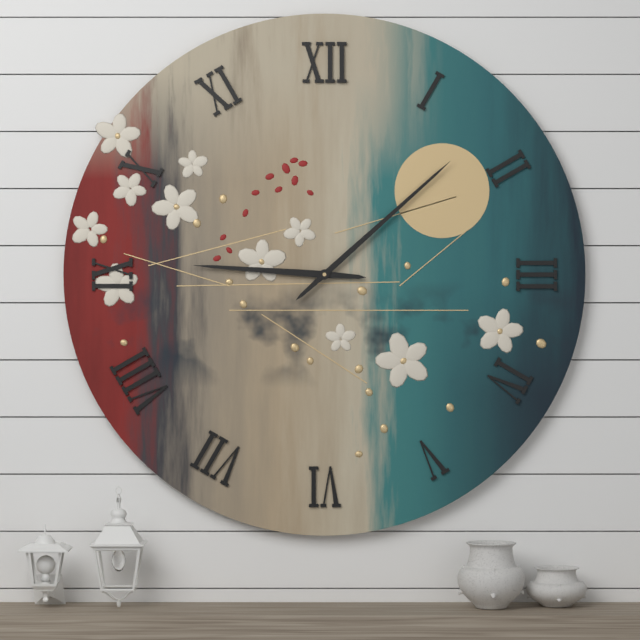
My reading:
9 h 08 min
